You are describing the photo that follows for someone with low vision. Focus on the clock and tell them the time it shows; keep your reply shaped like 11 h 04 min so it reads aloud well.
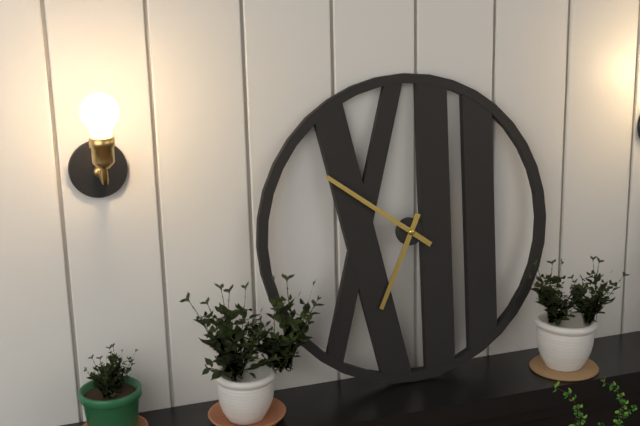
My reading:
6 h 51 min
